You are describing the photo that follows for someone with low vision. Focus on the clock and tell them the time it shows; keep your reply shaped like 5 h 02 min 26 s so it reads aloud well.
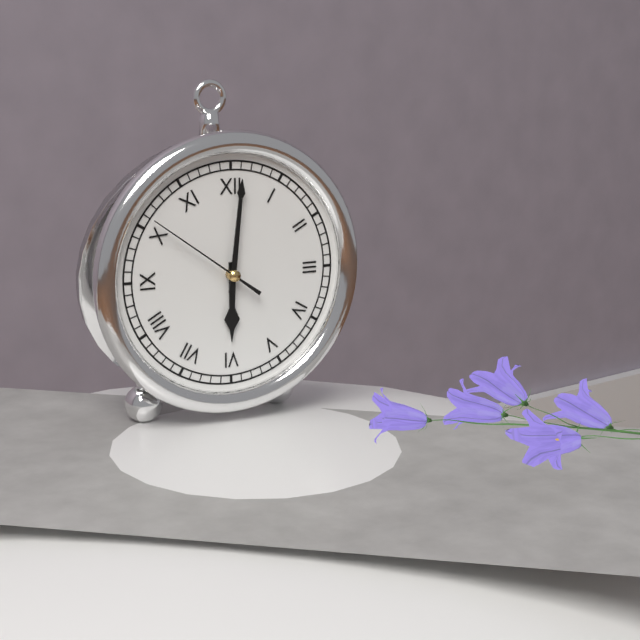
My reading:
6 h 01 min 51 s
